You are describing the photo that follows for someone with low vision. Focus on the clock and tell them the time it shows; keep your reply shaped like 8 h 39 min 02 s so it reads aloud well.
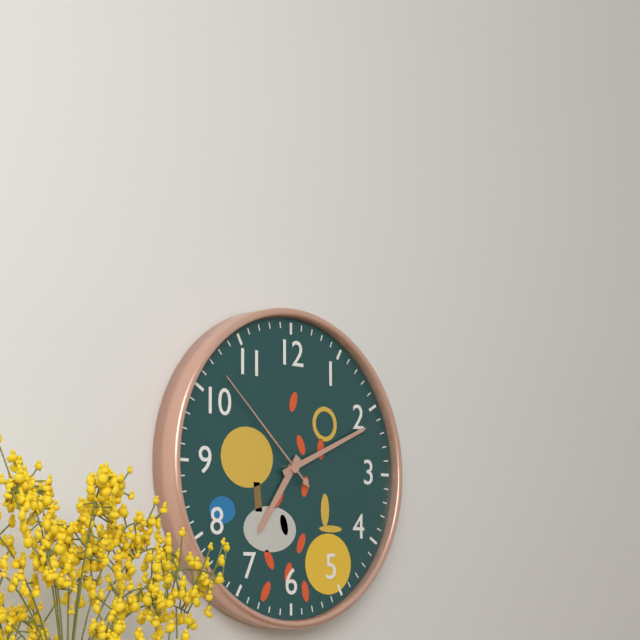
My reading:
7 h 11 min 52 s
